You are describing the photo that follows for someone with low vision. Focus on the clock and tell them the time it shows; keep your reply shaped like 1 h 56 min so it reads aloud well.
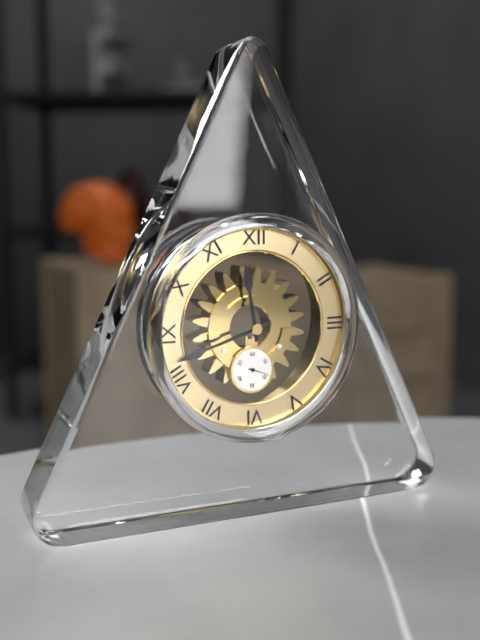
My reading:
11 h 42 min
